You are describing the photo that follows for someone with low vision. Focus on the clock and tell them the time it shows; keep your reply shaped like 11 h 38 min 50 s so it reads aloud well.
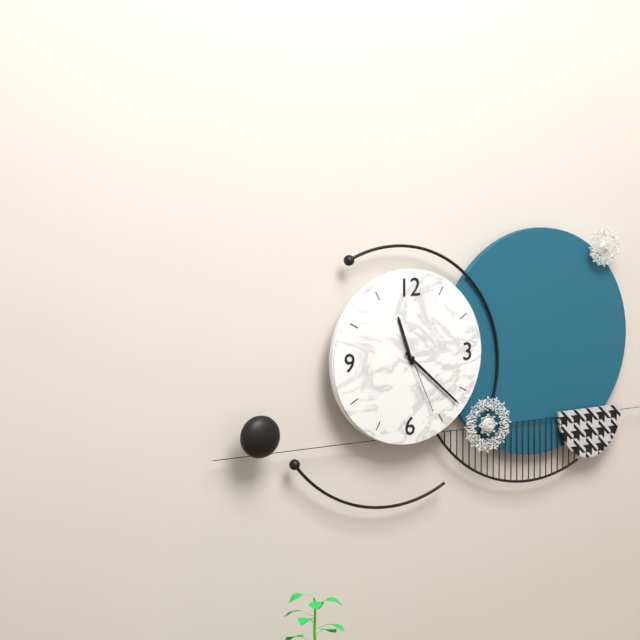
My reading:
11 h 22 min 26 s
